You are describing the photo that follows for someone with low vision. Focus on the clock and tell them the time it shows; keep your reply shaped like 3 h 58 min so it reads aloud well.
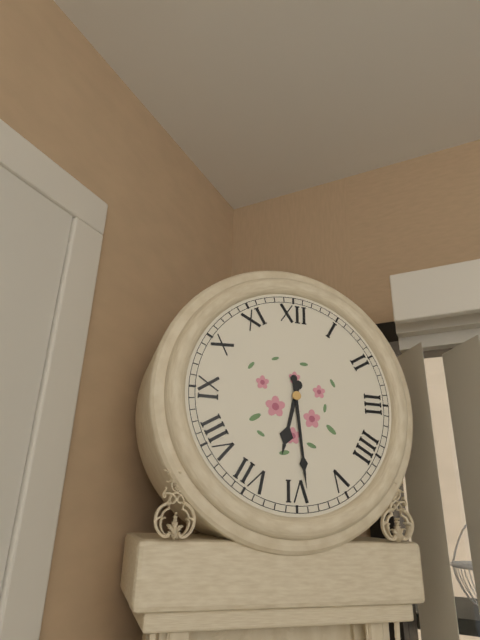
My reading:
6 h 29 min
